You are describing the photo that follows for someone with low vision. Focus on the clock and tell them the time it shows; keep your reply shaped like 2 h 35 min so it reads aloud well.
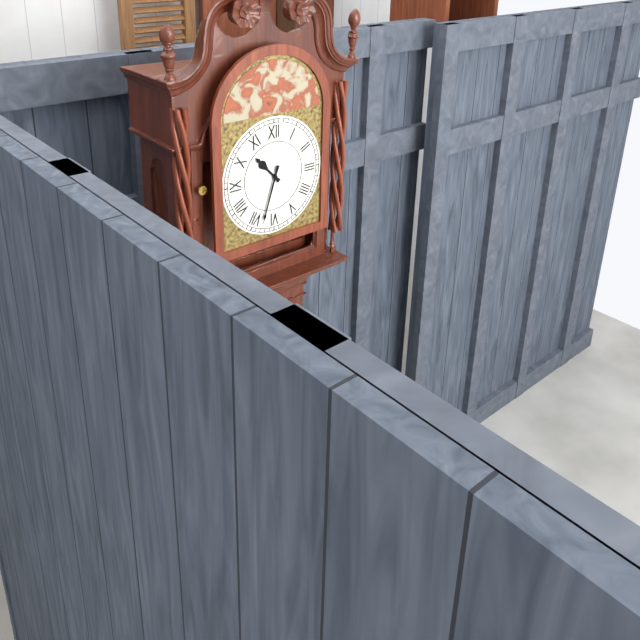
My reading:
10 h 33 min
